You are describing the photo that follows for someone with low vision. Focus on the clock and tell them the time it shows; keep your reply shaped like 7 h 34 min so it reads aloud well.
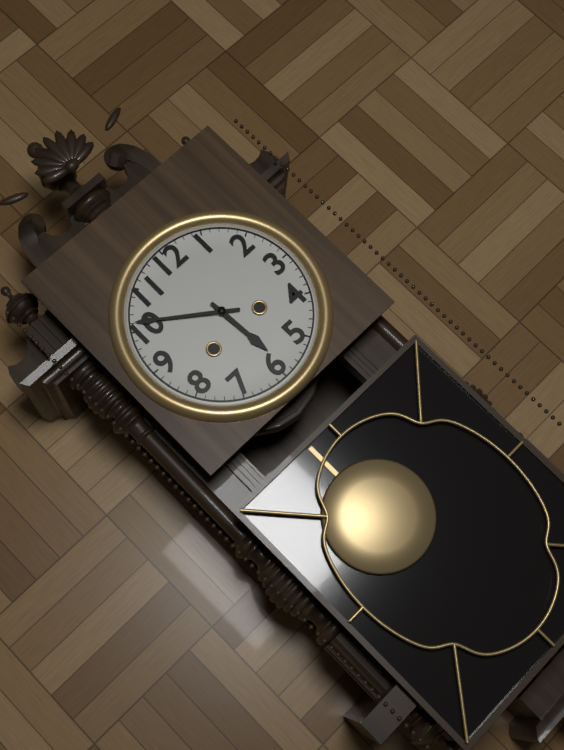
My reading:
5 h 51 min
